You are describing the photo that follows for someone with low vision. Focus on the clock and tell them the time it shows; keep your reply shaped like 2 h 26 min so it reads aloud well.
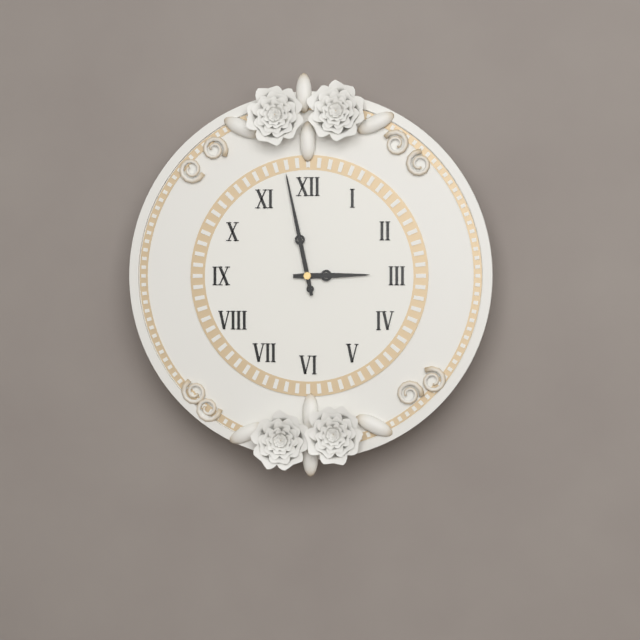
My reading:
2 h 58 min
